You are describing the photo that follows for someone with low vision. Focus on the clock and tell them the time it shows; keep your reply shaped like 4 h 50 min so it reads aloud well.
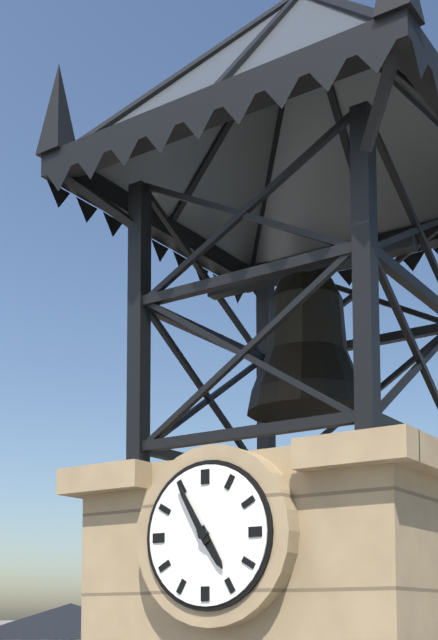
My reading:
4 h 55 min
